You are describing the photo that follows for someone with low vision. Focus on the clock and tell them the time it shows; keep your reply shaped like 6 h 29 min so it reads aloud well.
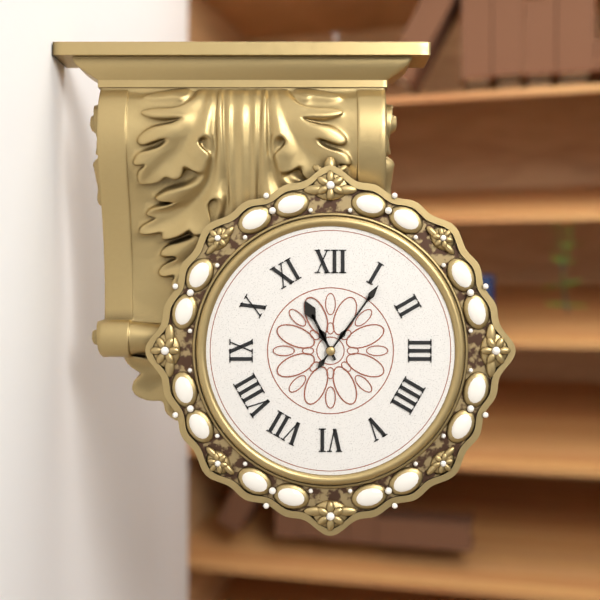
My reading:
11 h 06 min
